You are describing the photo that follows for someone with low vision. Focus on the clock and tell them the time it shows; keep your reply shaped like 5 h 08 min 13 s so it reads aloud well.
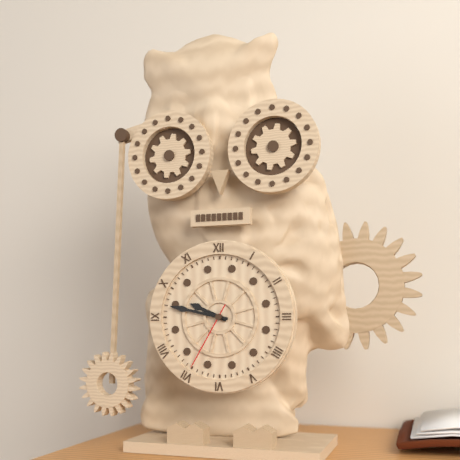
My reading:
9 h 47 min 35 s
